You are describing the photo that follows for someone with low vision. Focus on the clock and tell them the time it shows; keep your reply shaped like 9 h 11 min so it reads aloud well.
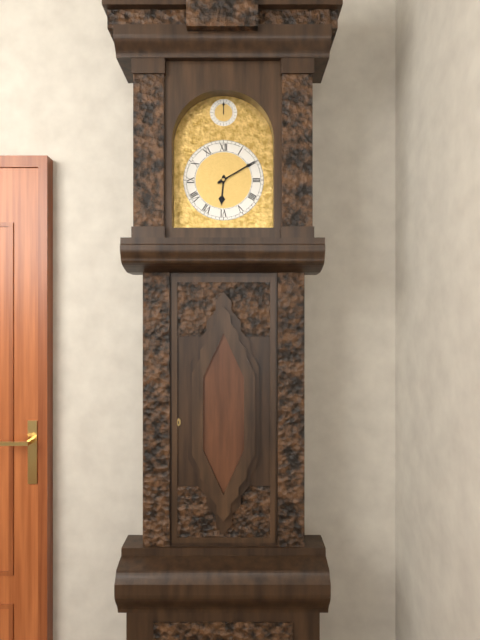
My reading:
6 h 10 min
